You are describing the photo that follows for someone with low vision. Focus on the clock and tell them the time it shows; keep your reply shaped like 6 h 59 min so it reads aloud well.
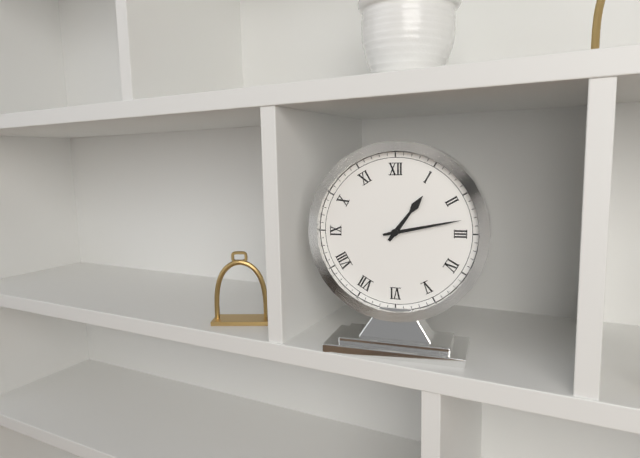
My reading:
1 h 13 min
